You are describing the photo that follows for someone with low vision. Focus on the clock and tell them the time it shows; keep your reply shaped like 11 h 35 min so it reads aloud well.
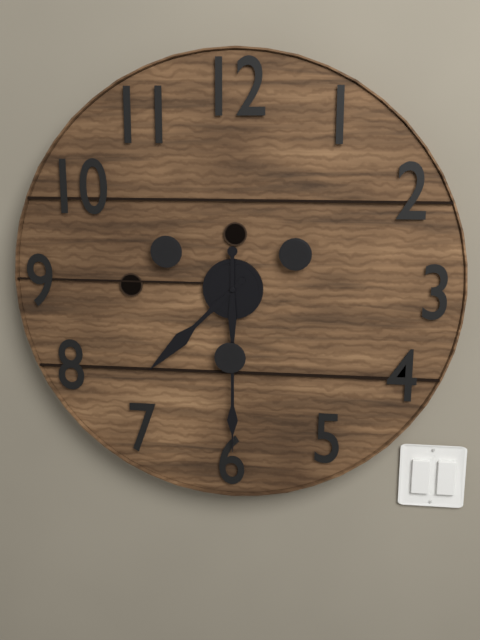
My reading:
7 h 30 min
